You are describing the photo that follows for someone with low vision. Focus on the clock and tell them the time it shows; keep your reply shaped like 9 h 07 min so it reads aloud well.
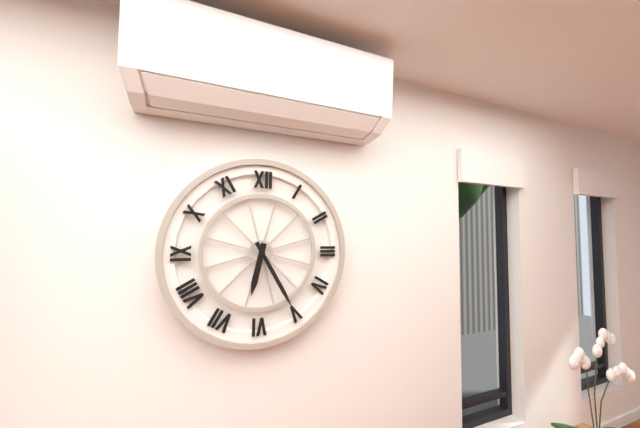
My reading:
6 h 25 min
